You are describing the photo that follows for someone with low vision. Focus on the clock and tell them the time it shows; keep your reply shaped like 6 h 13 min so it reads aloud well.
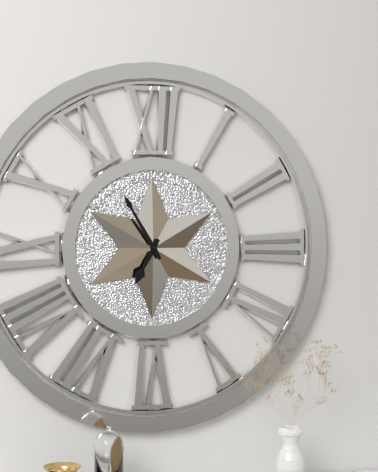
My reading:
6 h 55 min
